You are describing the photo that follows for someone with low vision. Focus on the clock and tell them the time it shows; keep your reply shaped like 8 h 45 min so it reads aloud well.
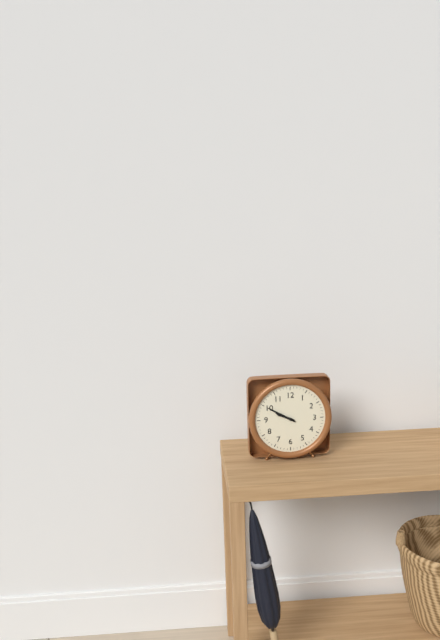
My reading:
9 h 50 min
